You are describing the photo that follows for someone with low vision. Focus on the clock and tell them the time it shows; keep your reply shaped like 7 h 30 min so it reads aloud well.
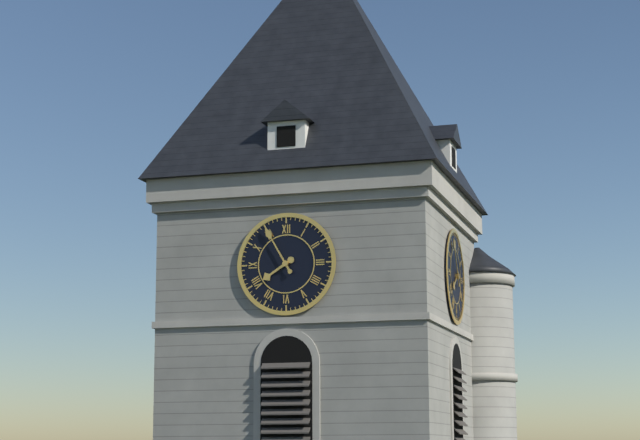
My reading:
7 h 55 min
